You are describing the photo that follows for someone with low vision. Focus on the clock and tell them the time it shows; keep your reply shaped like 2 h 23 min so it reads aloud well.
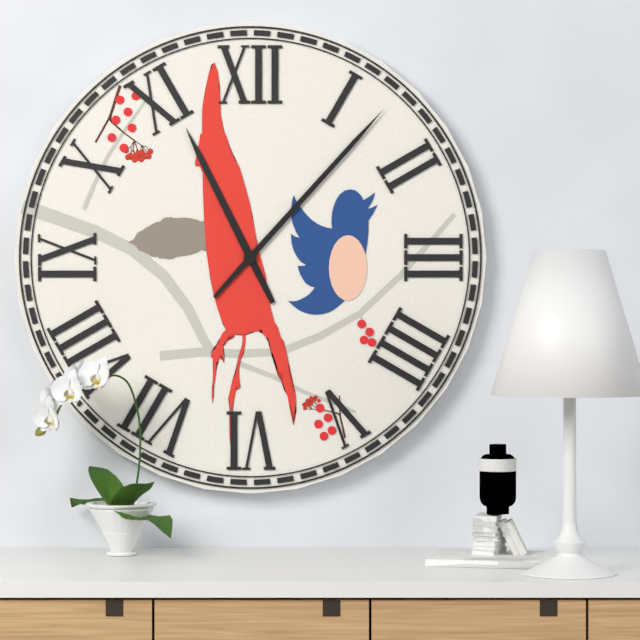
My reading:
11 h 07 min
